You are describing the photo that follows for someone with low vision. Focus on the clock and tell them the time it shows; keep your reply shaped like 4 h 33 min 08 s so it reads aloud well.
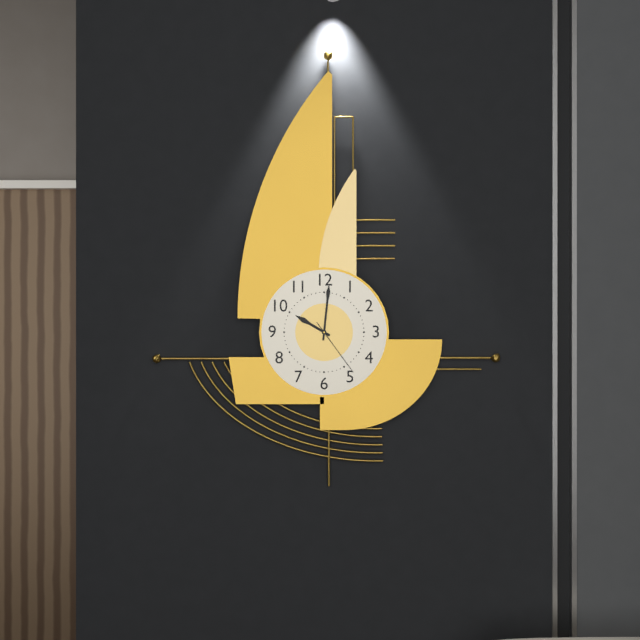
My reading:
10 h 01 min 24 s
